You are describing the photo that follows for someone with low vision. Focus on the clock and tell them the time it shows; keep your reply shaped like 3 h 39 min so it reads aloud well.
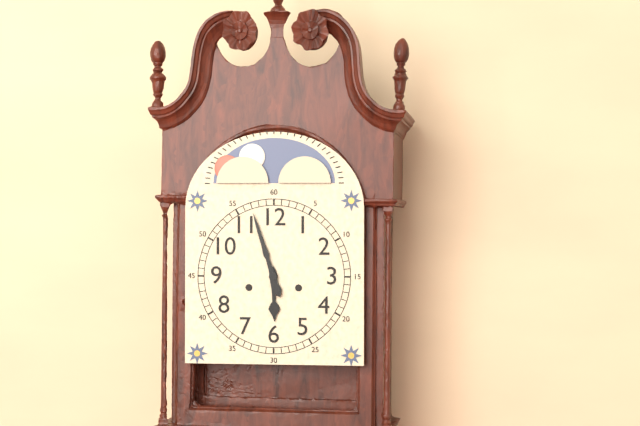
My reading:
5 h 57 min
